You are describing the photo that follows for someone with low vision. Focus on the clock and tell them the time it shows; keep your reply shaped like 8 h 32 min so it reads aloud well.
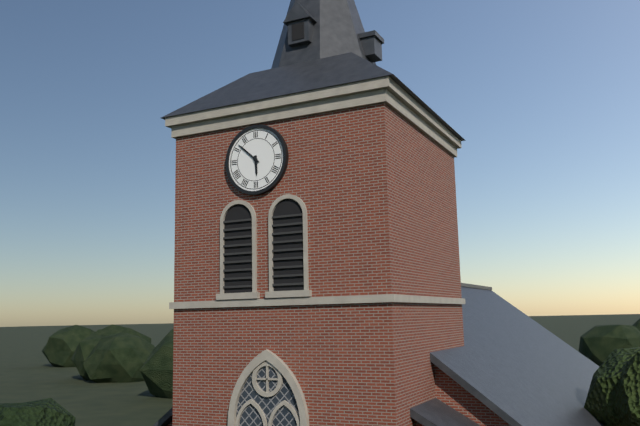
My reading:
5 h 52 min
